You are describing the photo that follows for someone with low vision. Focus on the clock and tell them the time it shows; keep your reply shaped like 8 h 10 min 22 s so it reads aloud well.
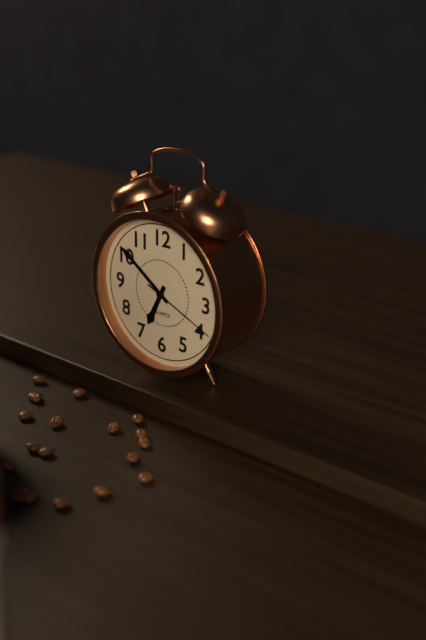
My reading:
6 h 51 min 19 s
